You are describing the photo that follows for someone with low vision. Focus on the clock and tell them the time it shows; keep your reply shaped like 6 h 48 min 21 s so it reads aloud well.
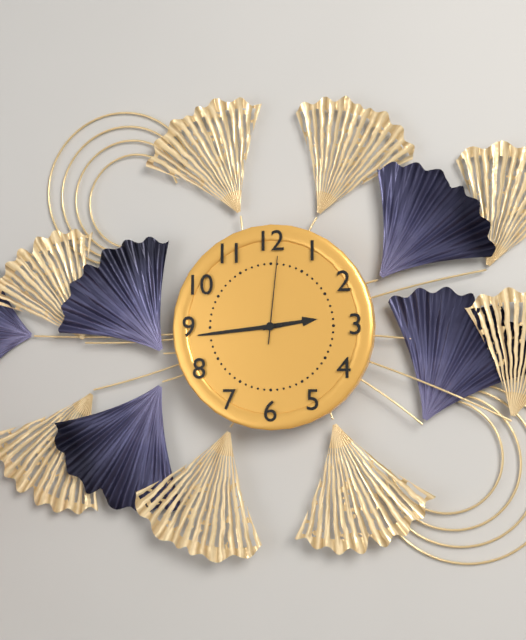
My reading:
2 h 44 min 01 s
